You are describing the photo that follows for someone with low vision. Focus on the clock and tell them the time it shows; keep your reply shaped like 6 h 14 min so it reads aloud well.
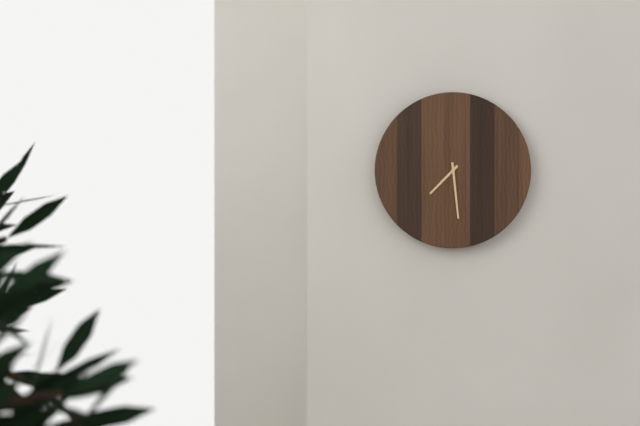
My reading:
7 h 29 min
